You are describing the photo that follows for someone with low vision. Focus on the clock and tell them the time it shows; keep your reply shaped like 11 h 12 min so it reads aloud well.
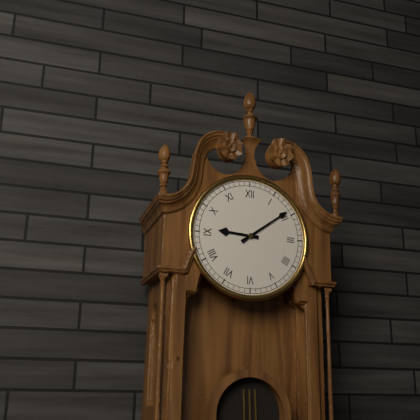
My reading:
9 h 09 min
